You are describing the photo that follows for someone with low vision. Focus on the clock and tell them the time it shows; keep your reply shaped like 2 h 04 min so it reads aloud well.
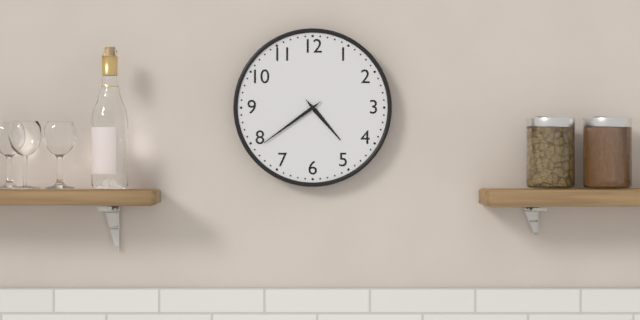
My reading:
4 h 39 min
